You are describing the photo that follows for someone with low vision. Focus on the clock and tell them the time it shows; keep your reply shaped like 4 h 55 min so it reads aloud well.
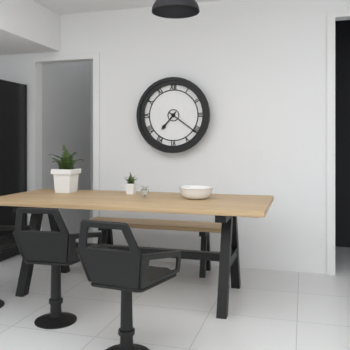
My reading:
7 h 21 min
